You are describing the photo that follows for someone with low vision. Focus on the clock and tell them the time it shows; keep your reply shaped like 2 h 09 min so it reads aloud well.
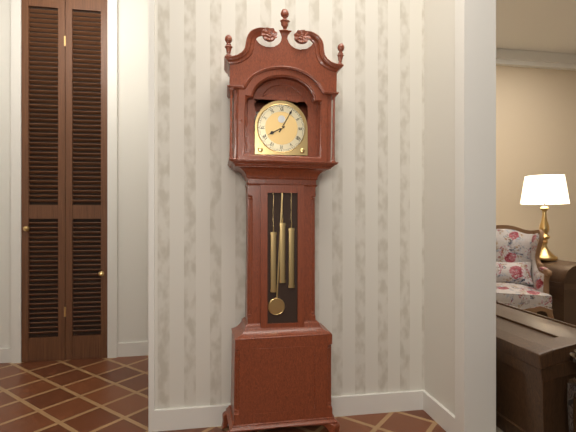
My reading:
8 h 05 min
